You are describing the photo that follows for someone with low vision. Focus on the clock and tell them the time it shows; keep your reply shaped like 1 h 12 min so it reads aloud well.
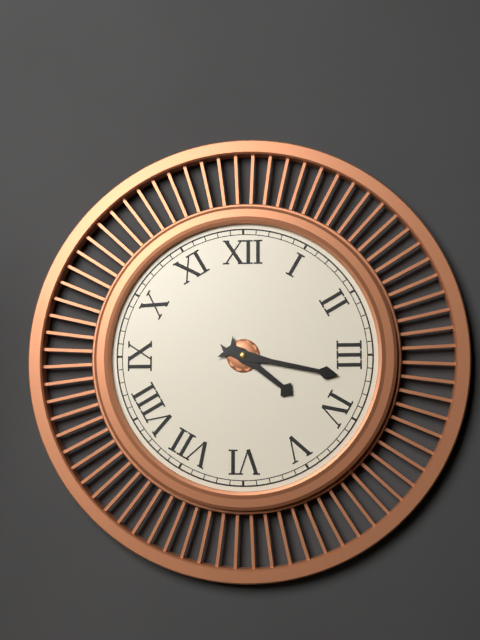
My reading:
4 h 17 min
